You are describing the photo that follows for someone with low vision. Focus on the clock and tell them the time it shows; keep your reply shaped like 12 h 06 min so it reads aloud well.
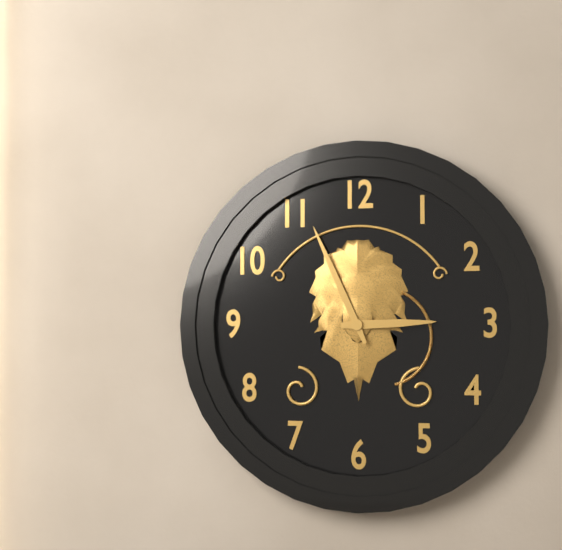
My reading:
2 h 56 min
